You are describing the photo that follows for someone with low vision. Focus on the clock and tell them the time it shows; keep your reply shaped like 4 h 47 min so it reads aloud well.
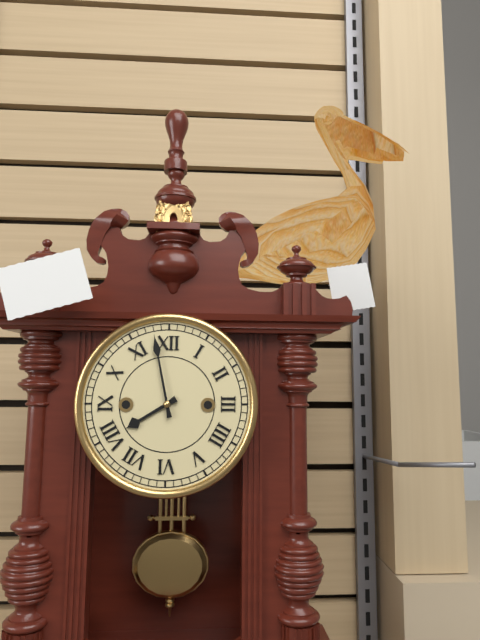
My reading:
7 h 58 min
